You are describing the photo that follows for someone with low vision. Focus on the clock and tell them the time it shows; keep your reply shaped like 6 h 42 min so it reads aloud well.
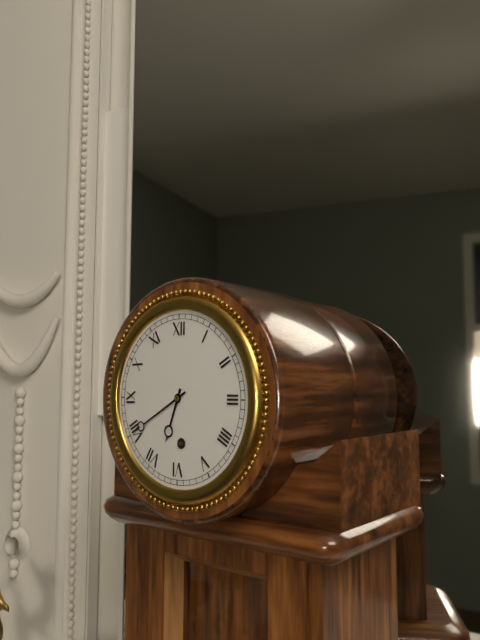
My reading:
6 h 40 min
